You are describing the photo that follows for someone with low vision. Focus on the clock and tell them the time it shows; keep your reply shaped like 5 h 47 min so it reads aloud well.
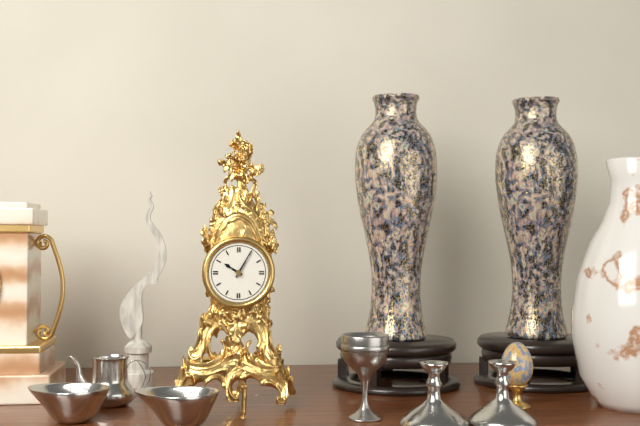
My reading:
10 h 05 min
